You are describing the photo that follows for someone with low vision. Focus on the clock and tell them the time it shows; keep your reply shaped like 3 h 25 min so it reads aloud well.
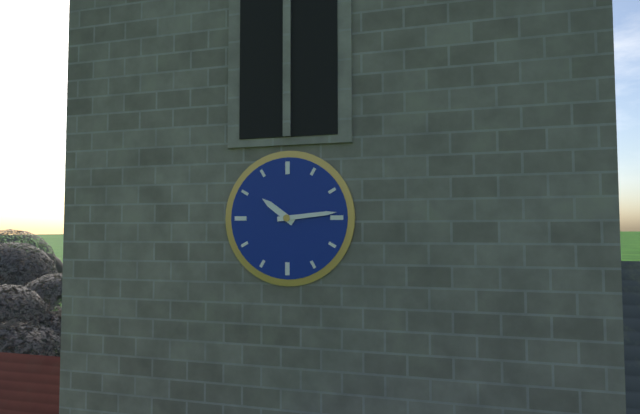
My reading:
10 h 14 min
